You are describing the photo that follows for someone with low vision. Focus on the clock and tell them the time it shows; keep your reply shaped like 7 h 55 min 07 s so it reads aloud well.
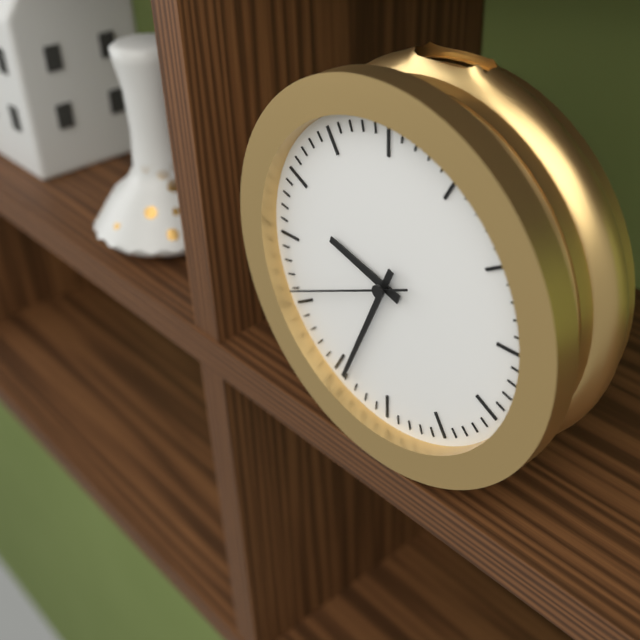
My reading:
9 h 34 min 41 s
